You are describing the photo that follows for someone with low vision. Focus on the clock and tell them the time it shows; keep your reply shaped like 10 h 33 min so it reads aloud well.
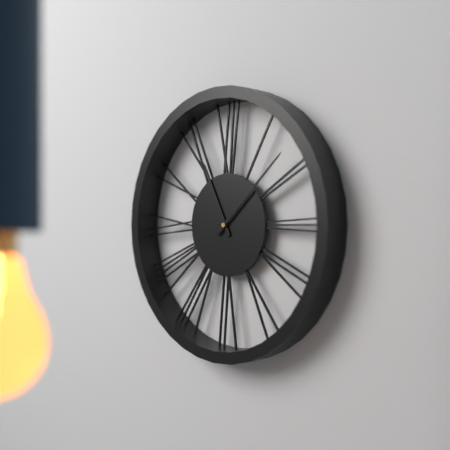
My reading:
11 h 08 min
